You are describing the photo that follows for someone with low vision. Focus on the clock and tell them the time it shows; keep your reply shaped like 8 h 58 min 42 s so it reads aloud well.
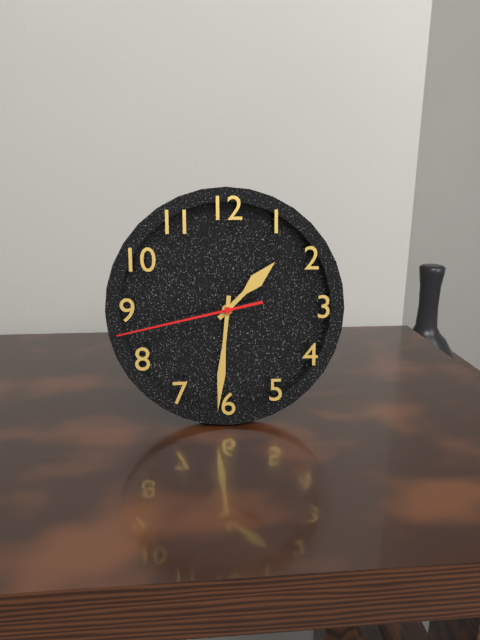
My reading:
1 h 31 min 43 s
